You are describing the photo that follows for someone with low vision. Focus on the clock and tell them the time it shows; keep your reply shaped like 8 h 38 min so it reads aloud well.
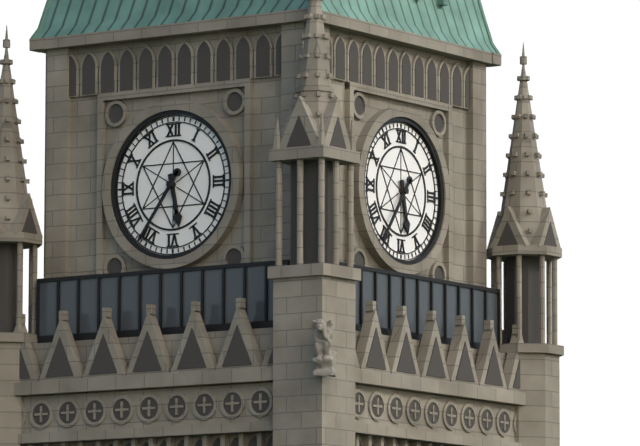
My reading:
5 h 36 min
